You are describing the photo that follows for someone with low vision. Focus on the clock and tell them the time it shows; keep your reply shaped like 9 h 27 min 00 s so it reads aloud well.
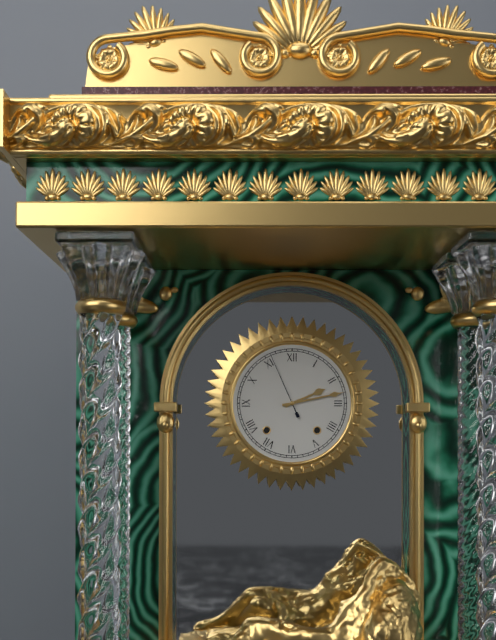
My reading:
2 h 13 min 56 s
